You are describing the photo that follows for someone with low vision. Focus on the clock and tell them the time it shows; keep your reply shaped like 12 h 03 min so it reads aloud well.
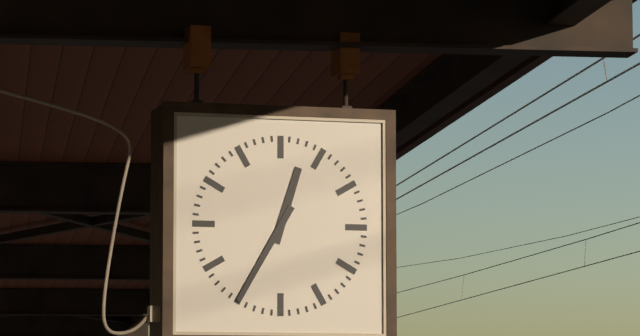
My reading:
12 h 35 min
